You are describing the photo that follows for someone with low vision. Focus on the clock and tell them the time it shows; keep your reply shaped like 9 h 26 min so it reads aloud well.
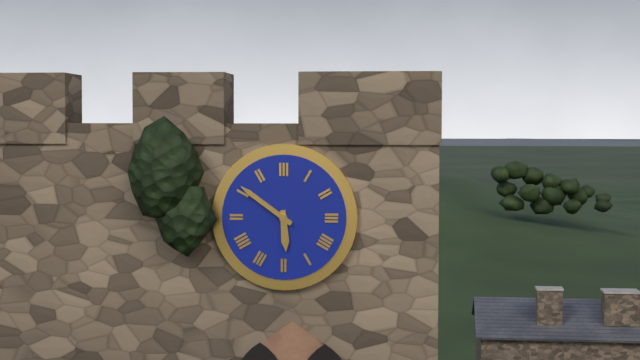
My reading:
5 h 51 min
